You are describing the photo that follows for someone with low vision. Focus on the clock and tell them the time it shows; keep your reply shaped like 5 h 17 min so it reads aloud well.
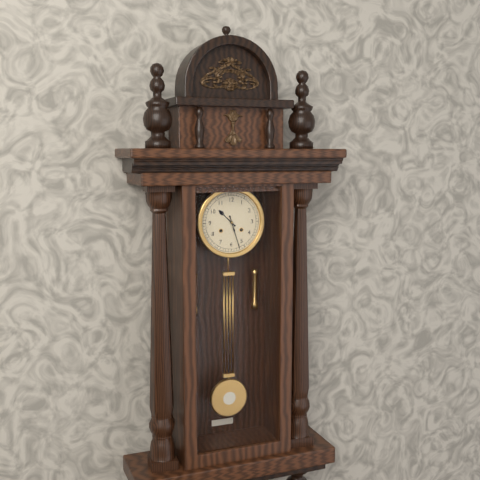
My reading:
10 h 27 min
